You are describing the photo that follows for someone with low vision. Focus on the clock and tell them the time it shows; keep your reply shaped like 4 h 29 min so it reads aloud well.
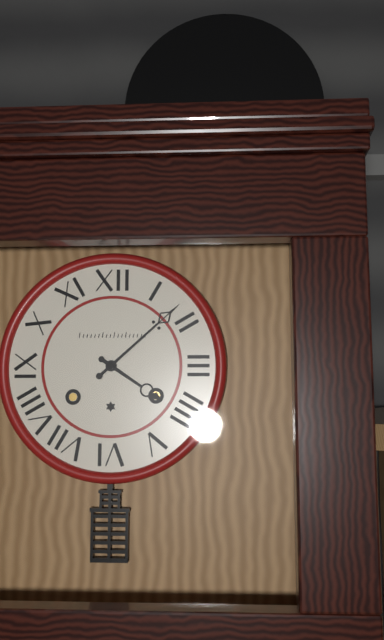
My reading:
4 h 08 min
